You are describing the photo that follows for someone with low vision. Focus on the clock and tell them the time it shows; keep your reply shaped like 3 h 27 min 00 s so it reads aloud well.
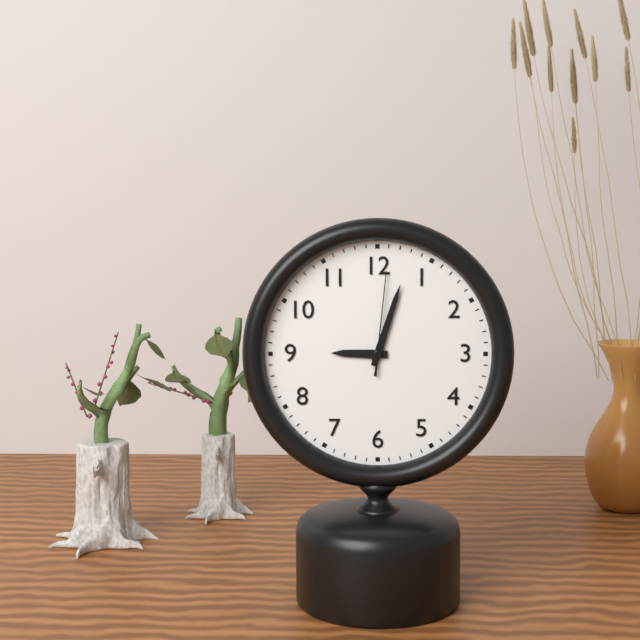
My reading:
9 h 03 min 01 s
